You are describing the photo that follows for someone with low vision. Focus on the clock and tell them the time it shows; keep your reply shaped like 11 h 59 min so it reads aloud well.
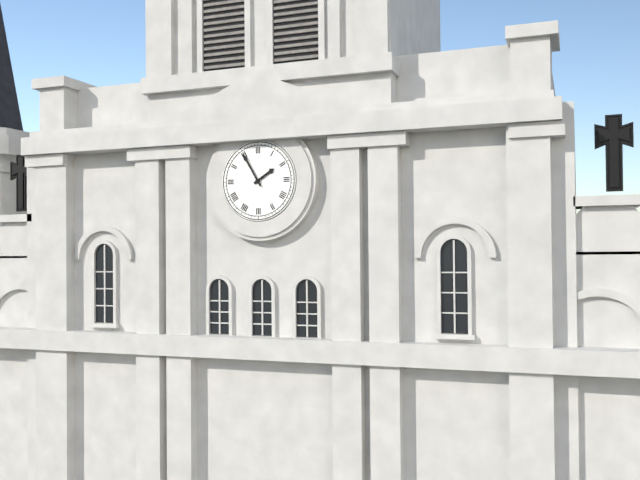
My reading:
1 h 55 min
